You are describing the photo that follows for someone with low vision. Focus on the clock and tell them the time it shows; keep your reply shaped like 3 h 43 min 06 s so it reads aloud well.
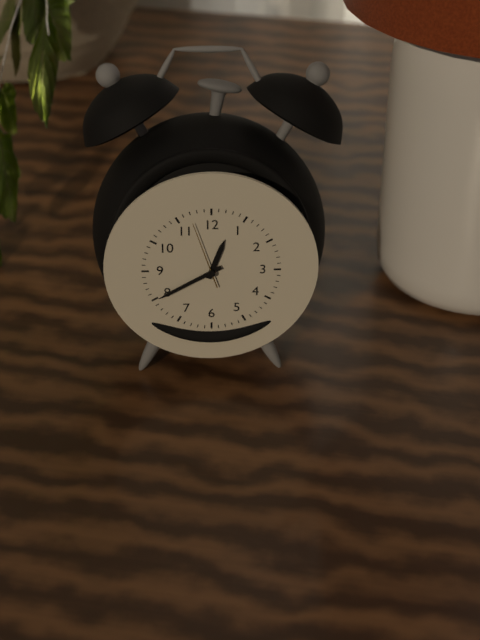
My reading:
12 h 40 min 57 s
